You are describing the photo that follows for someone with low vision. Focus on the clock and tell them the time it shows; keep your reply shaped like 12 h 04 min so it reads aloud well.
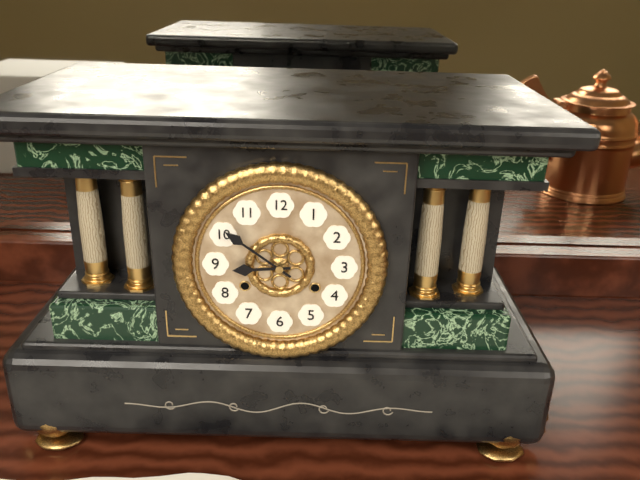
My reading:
8 h 51 min
